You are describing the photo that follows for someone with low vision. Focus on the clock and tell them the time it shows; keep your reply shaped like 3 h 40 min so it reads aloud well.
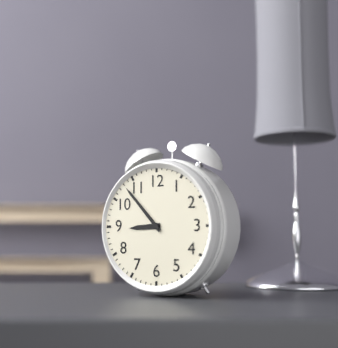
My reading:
8 h 53 min
